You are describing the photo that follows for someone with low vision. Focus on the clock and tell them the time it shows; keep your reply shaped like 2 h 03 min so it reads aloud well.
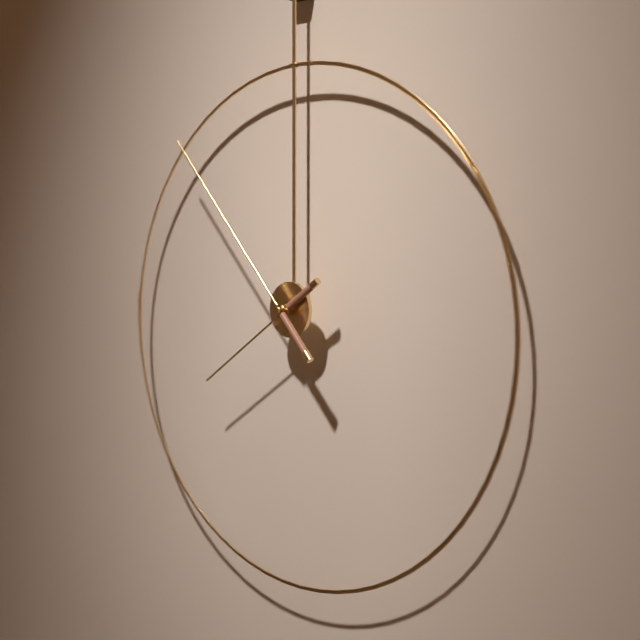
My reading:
7 h 53 min
